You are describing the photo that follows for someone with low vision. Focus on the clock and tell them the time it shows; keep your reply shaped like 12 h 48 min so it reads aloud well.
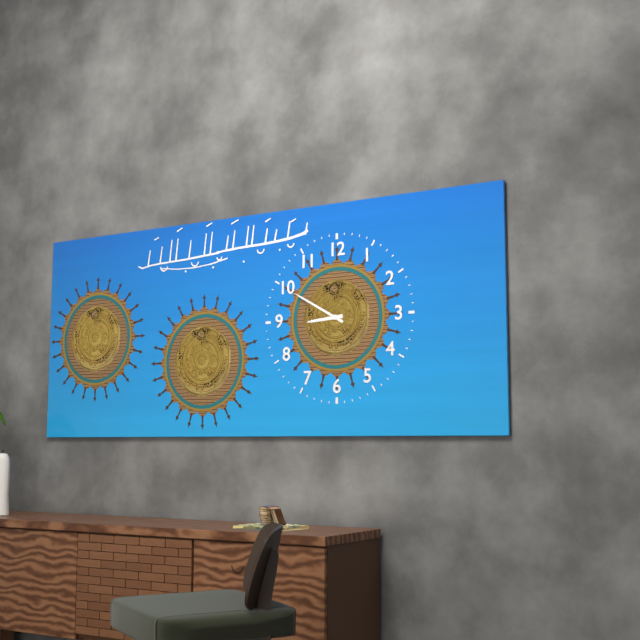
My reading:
8 h 50 min
